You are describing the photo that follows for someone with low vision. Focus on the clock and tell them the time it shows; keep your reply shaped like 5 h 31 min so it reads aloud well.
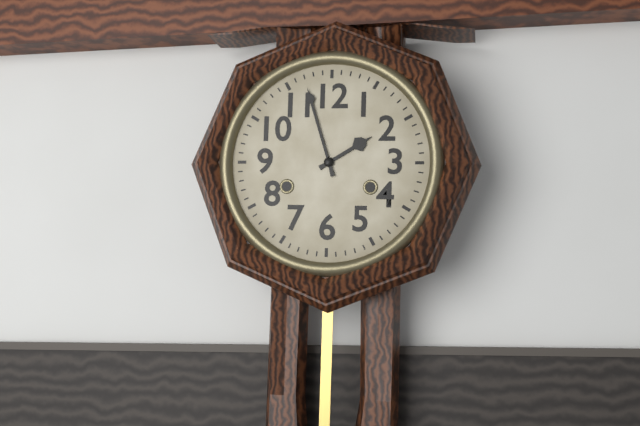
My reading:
1 h 57 min
